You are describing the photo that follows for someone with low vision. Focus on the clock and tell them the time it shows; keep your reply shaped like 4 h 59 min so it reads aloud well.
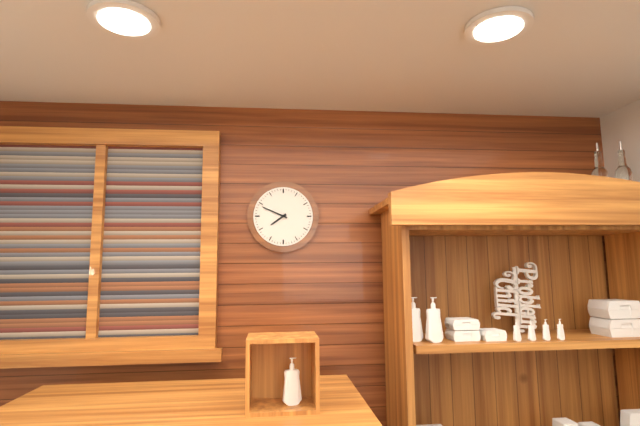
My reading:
7 h 49 min
